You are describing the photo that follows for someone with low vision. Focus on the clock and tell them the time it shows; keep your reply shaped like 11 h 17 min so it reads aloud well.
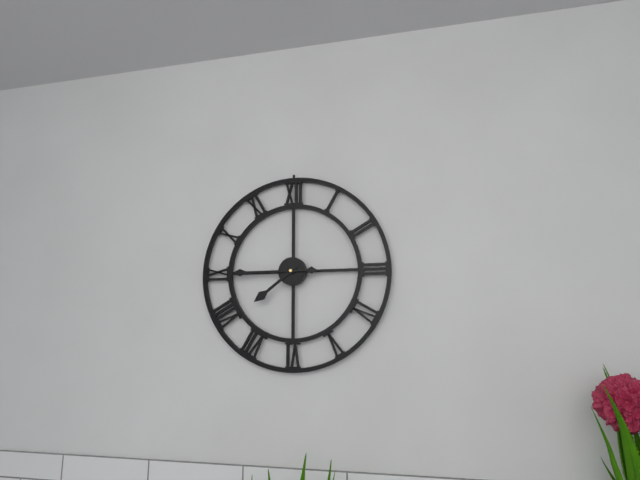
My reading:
7 h 45 min
